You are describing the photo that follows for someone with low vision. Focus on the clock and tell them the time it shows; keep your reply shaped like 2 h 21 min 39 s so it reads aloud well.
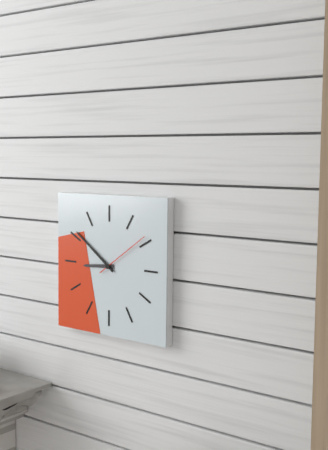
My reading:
8 h 51 min 09 s
